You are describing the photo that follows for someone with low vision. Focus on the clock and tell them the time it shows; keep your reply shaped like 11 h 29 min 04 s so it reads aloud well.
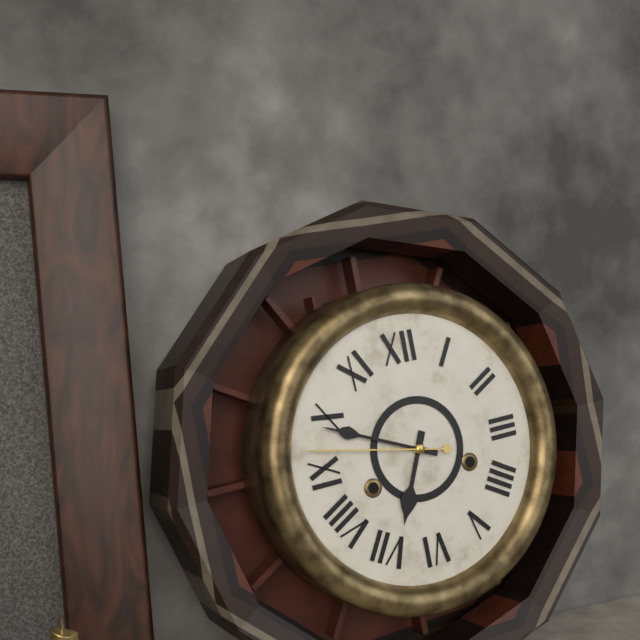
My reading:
6 h 49 min 47 s
